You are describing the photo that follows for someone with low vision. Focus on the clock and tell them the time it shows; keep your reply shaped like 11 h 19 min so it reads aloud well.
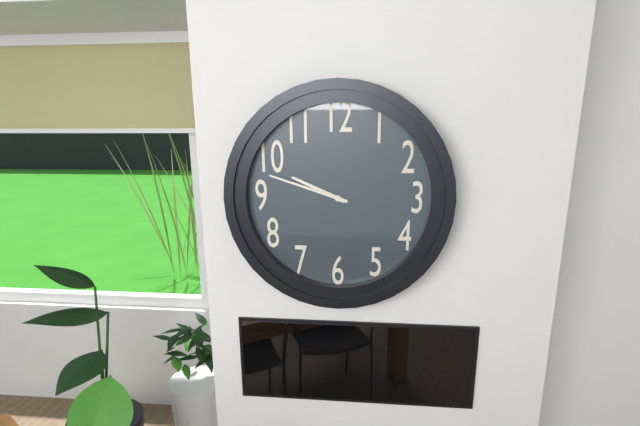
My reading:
9 h 48 min
